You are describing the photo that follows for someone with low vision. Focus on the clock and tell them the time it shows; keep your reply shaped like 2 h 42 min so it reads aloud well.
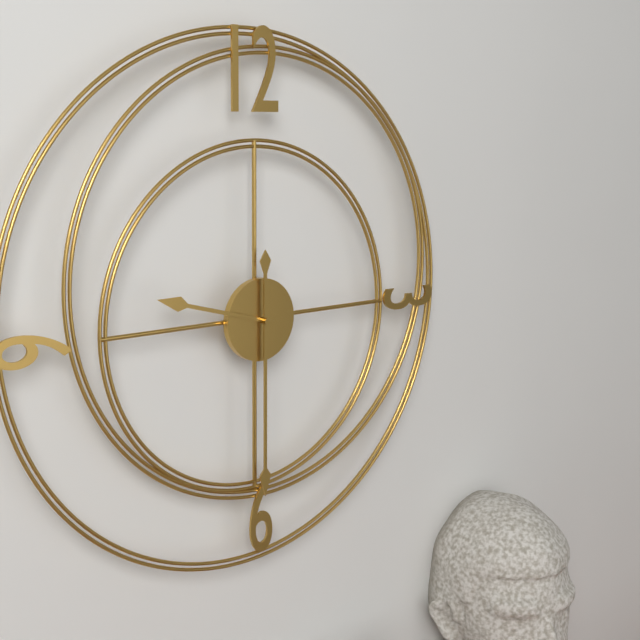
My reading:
9 h 30 min
